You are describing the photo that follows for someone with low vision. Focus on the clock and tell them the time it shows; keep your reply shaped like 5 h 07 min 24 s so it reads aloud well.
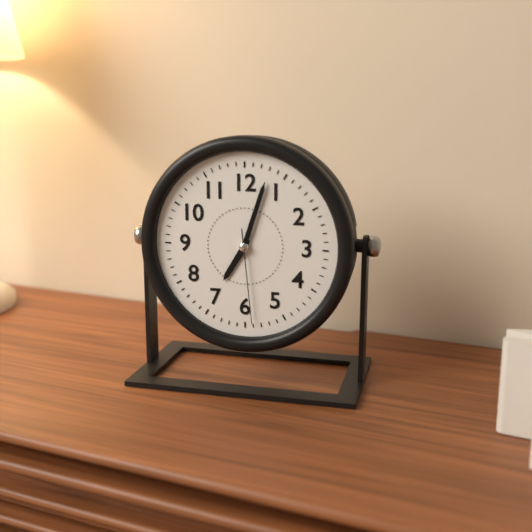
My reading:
7 h 03 min 29 s
